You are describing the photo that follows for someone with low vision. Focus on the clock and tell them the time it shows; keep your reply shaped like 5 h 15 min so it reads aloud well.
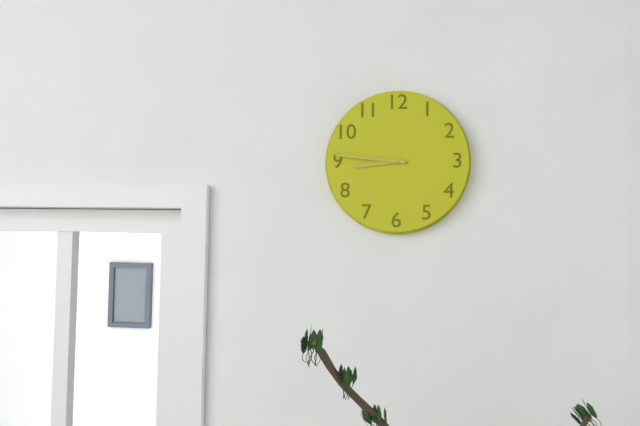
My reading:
8 h 46 min
